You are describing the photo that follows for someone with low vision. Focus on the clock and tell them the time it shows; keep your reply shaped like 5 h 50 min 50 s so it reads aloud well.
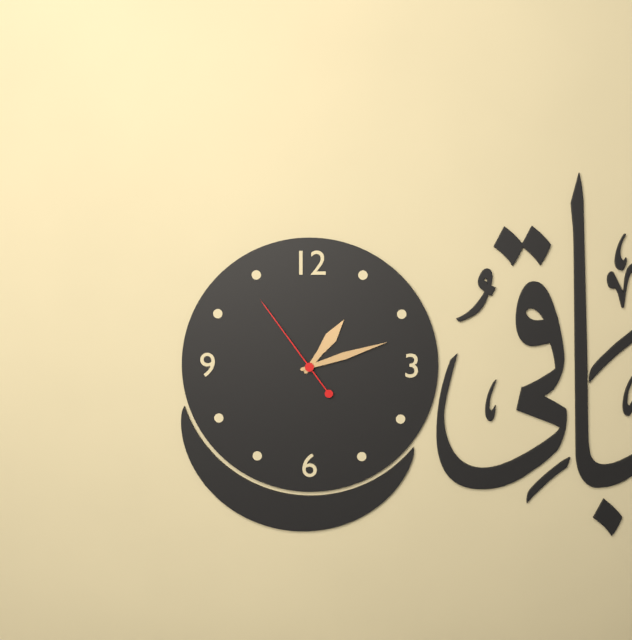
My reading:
1 h 12 min 54 s
